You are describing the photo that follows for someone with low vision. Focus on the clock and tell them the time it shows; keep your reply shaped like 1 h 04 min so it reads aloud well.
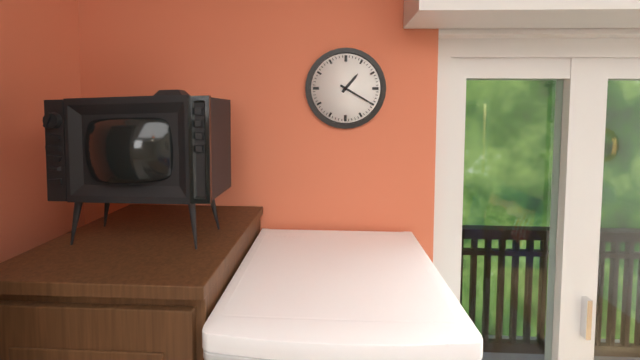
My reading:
1 h 20 min
